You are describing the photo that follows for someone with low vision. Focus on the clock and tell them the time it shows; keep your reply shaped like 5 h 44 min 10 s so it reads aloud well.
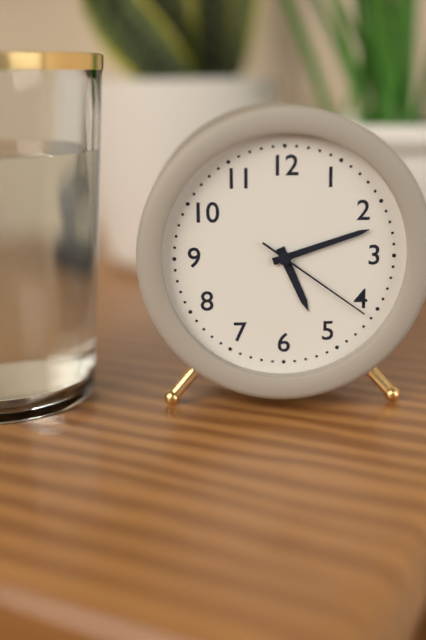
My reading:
5 h 12 min 21 s
